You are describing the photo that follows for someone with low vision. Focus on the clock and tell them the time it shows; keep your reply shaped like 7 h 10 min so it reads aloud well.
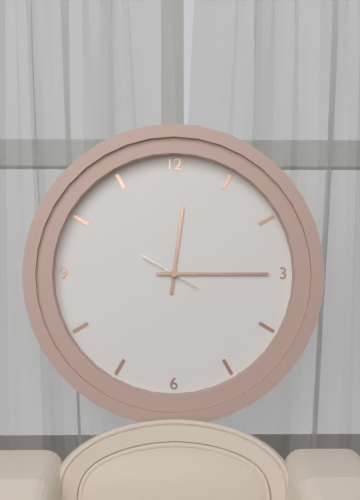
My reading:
12 h 15 min
